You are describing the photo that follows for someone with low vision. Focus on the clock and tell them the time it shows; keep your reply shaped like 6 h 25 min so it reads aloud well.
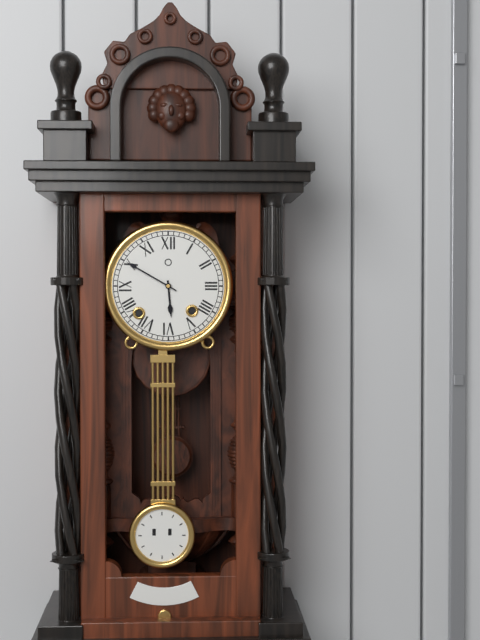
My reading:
5 h 50 min
